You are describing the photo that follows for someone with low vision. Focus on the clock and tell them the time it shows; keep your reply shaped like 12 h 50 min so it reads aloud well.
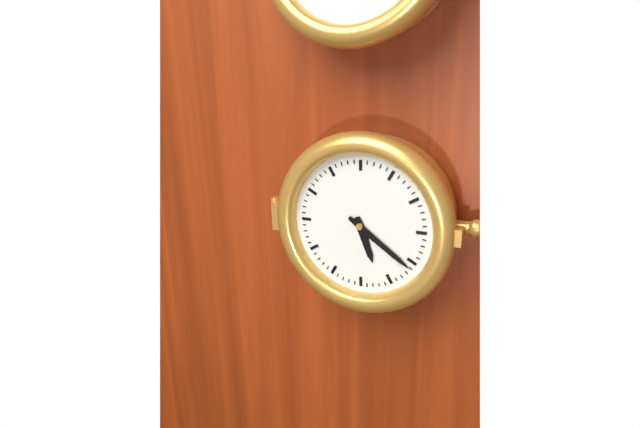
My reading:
5 h 21 min
